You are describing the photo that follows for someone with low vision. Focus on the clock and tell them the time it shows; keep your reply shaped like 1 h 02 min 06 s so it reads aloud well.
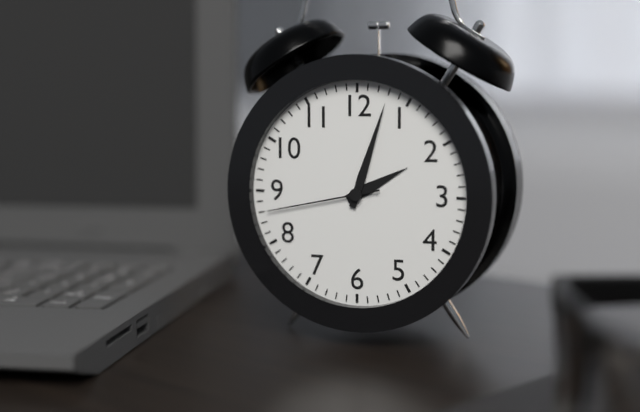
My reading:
2 h 03 min 43 s
